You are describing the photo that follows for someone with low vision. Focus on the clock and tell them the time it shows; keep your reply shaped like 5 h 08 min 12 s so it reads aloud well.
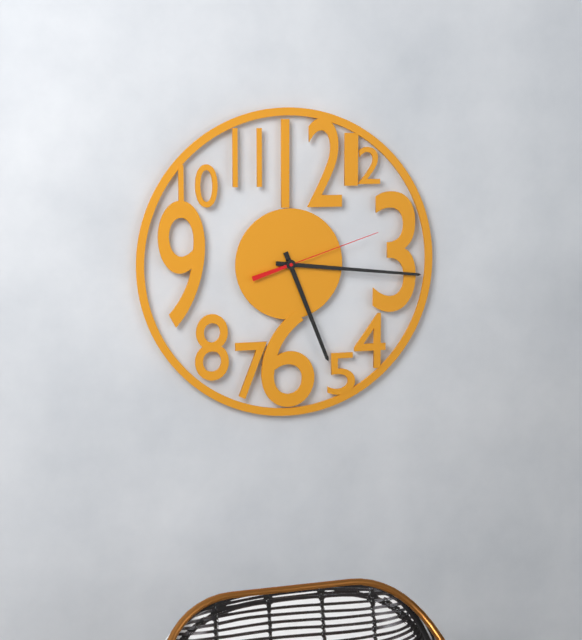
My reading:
5 h 16 min 12 s
